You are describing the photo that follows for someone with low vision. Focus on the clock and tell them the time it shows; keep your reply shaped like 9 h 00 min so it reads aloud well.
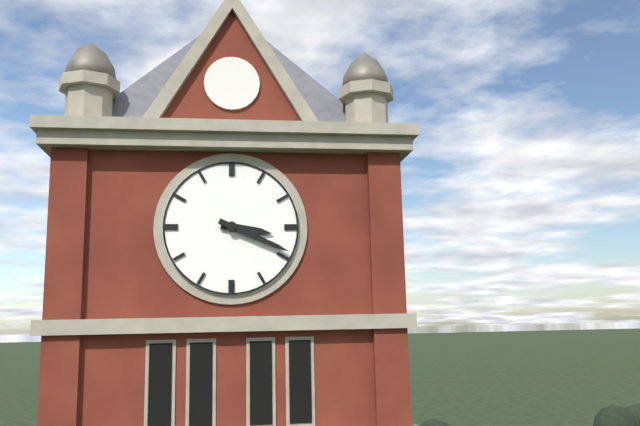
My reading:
3 h 19 min
